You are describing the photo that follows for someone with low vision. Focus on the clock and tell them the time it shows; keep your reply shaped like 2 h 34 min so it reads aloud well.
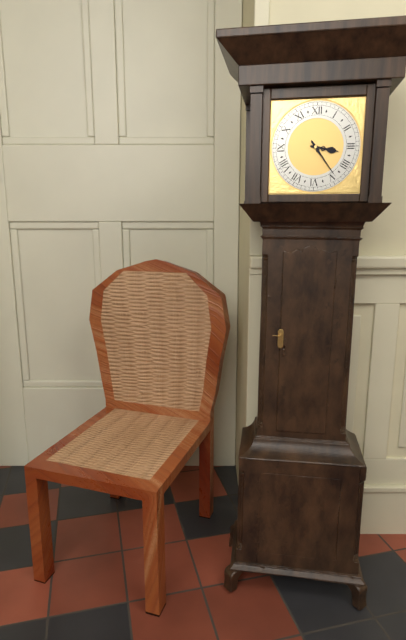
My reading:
3 h 24 min
